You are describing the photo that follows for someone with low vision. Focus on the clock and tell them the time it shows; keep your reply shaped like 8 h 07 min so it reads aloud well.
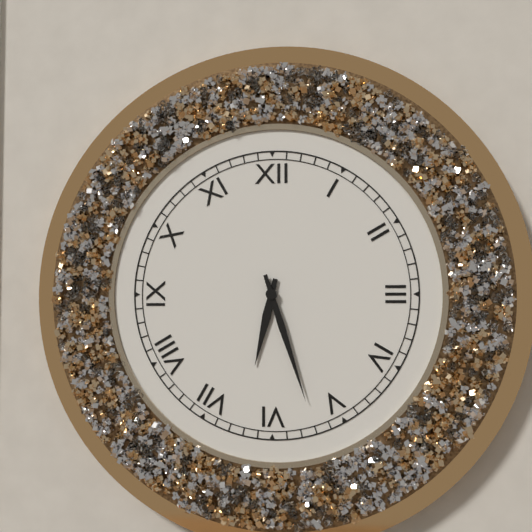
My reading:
6 h 27 min
